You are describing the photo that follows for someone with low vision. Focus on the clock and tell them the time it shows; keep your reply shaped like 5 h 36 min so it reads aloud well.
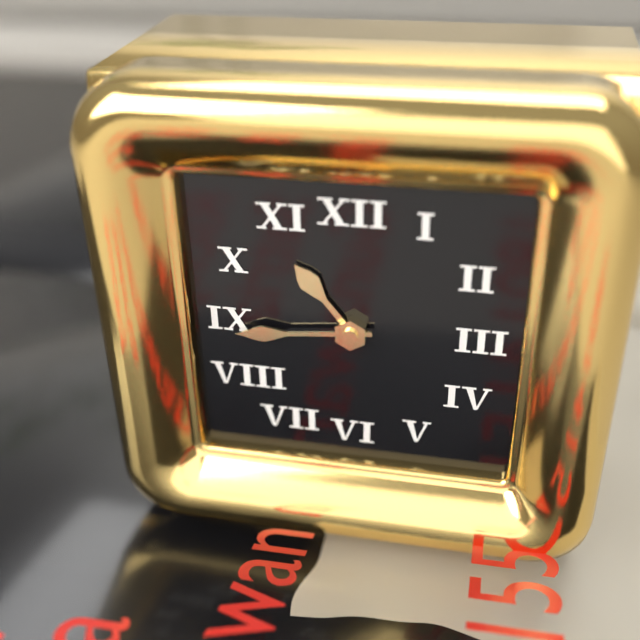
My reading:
10 h 44 min
